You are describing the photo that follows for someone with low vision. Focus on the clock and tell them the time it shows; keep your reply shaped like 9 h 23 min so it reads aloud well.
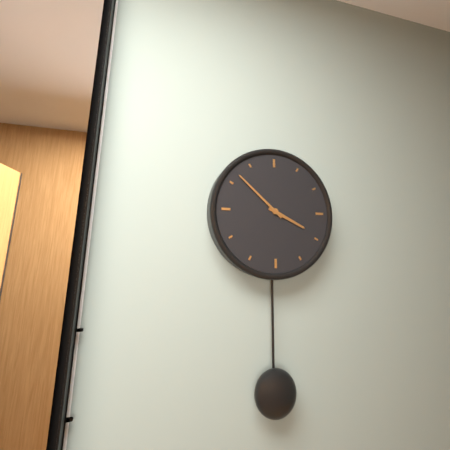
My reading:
3 h 52 min
